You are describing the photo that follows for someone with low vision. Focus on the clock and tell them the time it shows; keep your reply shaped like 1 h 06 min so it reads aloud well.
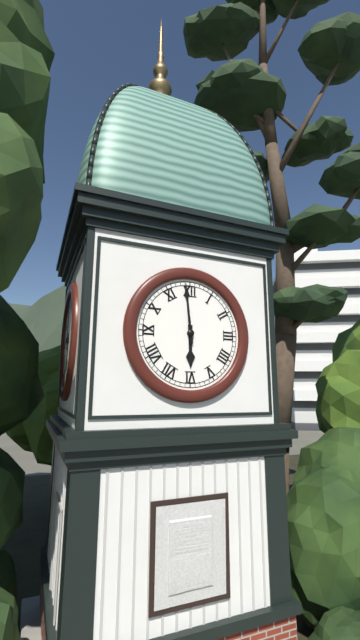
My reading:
5 h 59 min
